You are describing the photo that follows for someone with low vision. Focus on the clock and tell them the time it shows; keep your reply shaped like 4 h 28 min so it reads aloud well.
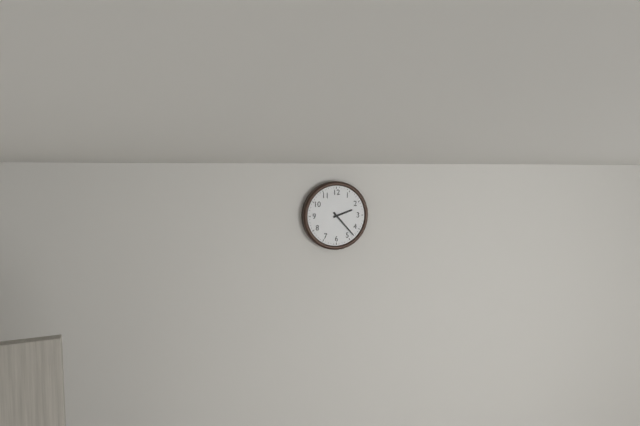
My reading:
2 h 23 min
